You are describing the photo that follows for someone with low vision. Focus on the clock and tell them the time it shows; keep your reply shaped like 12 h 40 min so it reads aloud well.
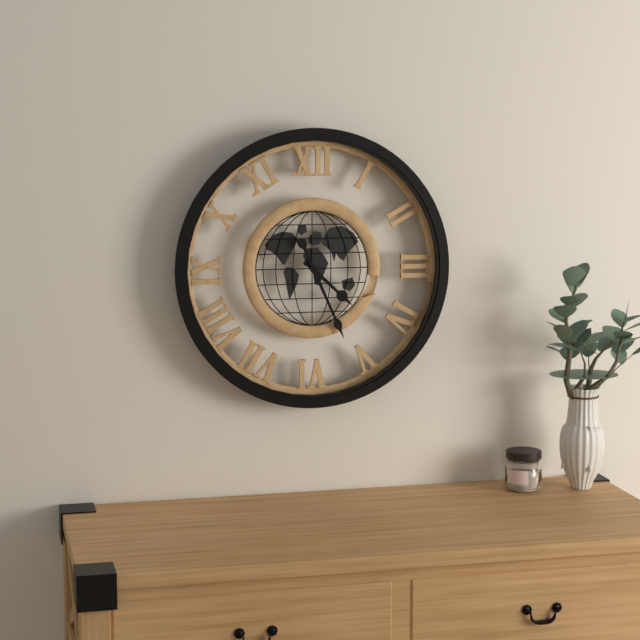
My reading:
4 h 26 min
